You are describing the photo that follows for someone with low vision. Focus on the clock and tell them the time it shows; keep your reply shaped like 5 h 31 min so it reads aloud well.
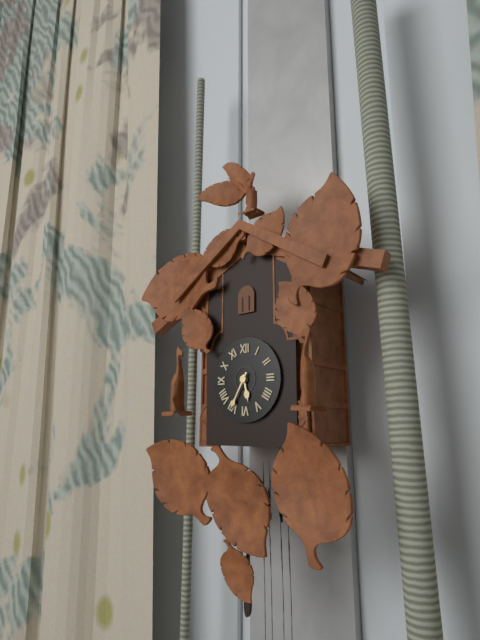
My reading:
5 h 35 min
